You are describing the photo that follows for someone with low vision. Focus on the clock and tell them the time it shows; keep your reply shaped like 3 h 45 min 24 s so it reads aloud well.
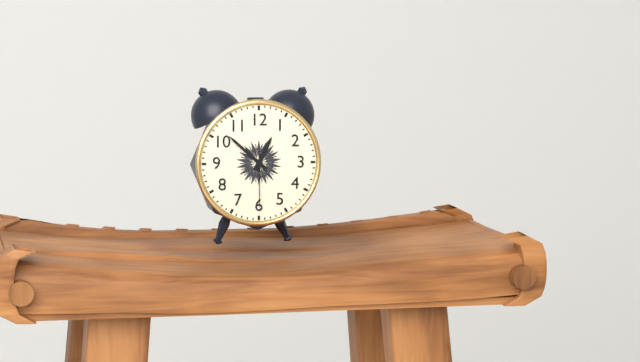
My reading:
12 h 52 min 30 s
